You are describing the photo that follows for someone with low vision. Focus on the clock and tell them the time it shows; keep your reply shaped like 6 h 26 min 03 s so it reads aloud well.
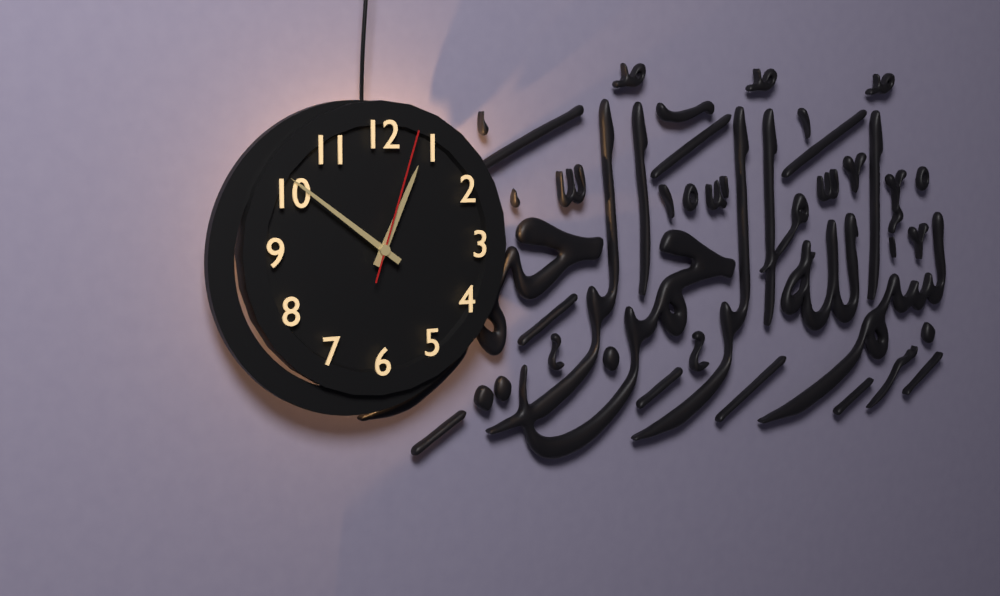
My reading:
12 h 51 min 03 s
